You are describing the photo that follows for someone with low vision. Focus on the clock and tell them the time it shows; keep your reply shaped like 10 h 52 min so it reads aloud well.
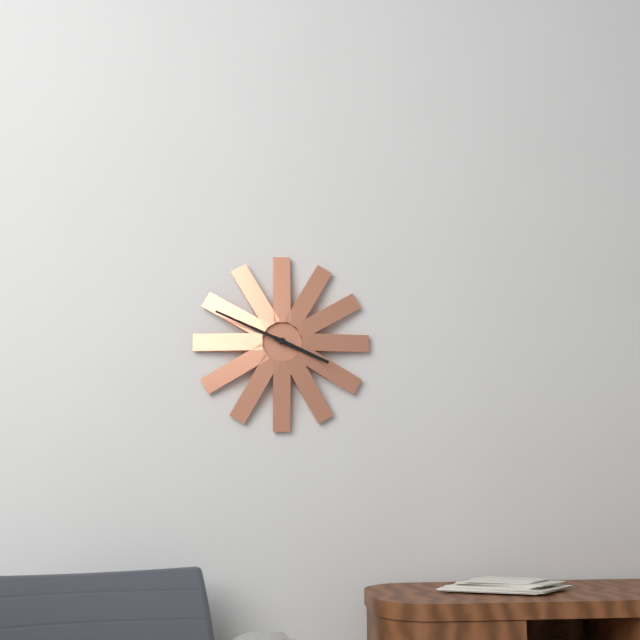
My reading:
3 h 49 min
